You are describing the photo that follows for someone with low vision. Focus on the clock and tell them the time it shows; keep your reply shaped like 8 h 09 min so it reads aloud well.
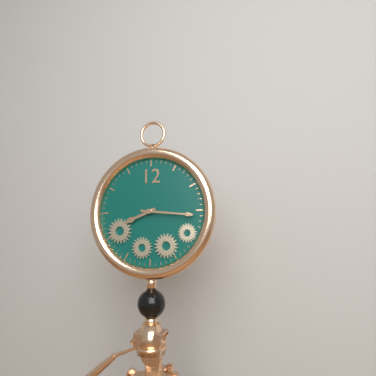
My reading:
8 h 16 min
